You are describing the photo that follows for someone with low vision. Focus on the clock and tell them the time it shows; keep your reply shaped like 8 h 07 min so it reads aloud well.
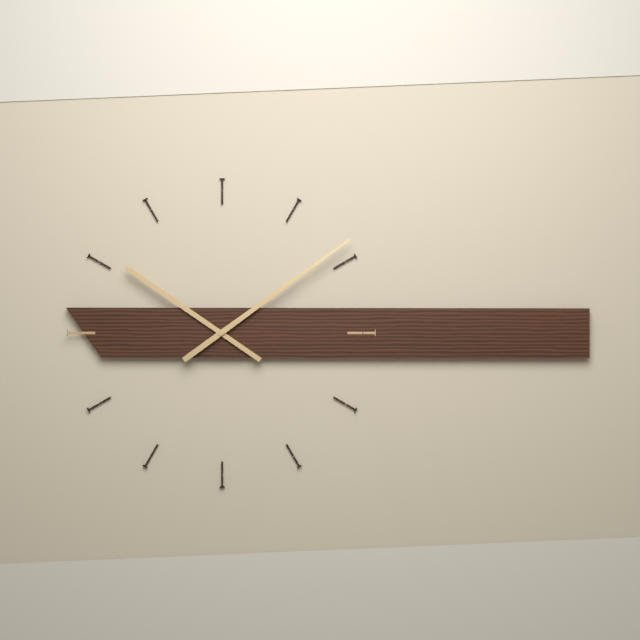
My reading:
10 h 09 min
